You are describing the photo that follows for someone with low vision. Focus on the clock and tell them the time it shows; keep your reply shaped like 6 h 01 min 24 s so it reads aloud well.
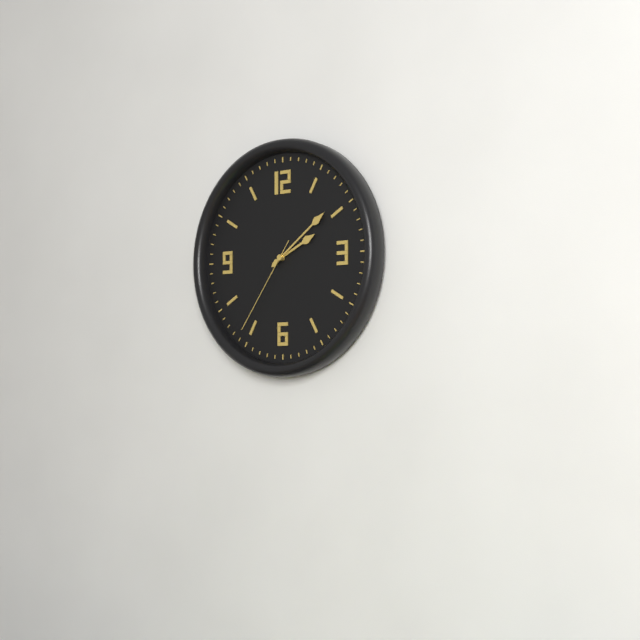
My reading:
2 h 09 min 36 s
